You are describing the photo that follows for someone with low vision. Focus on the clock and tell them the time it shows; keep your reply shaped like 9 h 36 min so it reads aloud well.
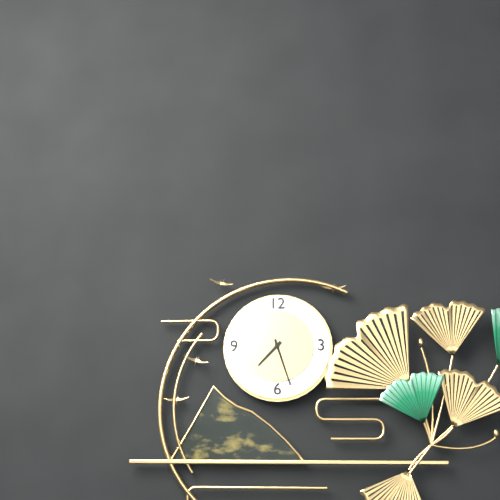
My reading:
7 h 27 min
